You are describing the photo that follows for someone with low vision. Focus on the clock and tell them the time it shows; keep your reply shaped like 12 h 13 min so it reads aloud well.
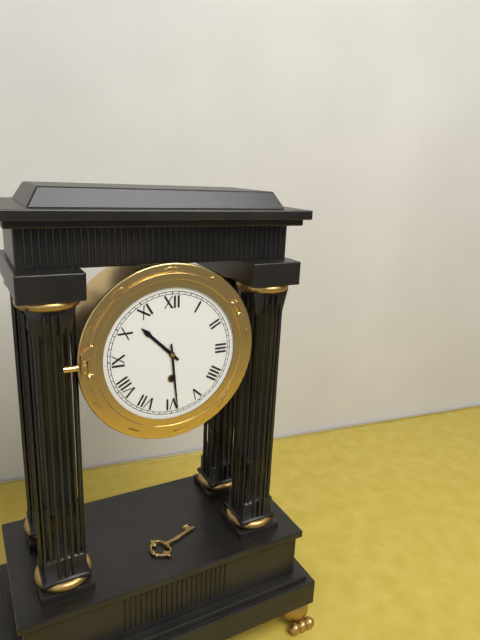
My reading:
10 h 29 min
